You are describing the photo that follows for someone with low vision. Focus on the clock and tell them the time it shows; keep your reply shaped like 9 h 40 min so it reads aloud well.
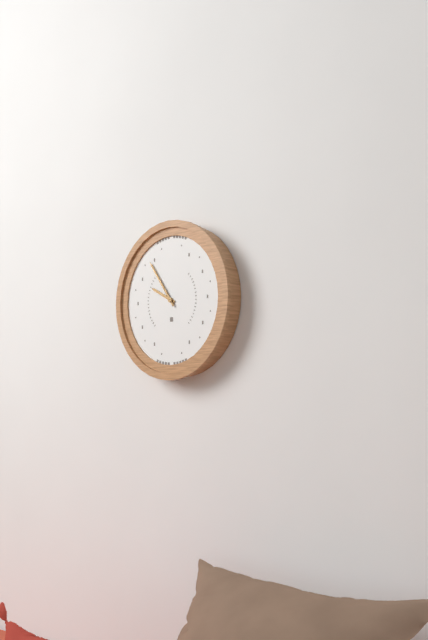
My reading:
9 h 54 min
